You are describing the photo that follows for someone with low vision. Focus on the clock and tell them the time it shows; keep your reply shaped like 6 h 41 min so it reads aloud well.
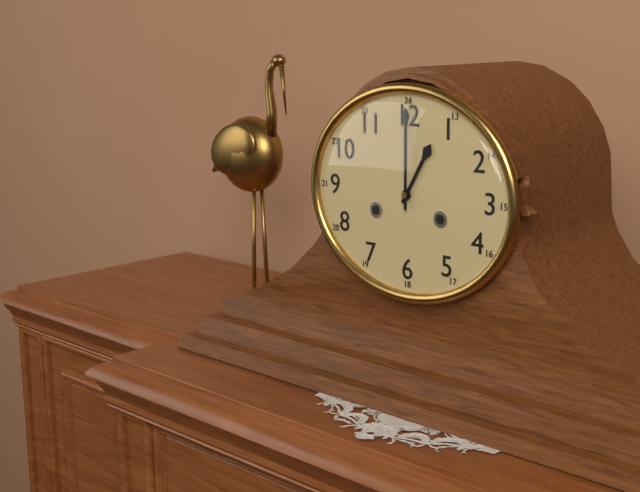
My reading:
1 h 00 min
